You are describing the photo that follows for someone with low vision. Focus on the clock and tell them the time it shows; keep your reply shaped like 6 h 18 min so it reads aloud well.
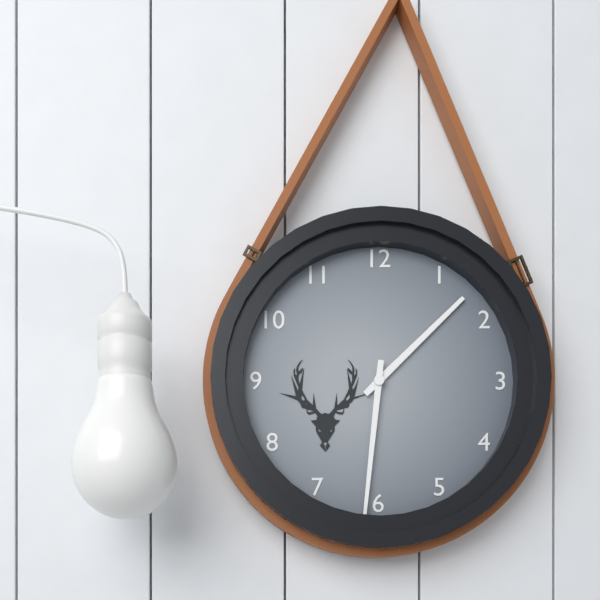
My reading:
1 h 31 min
